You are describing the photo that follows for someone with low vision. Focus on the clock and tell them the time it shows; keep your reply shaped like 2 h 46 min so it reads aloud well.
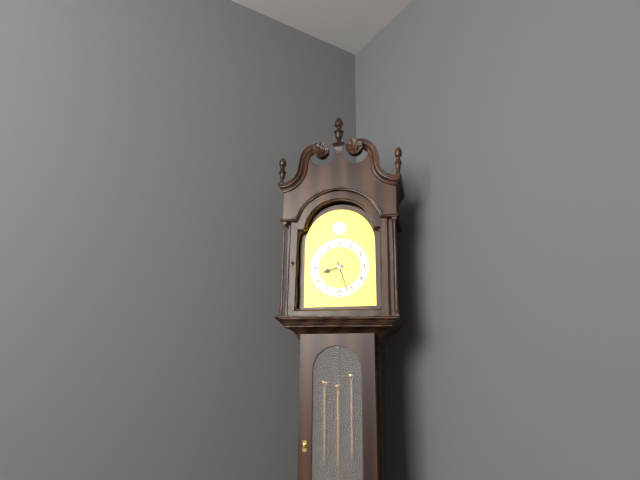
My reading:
8 h 27 min
